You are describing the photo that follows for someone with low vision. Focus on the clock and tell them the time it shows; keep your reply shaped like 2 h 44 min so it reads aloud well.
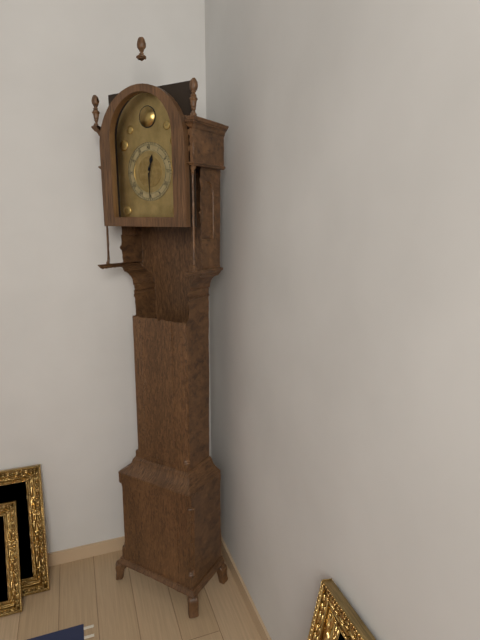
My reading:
12 h 30 min
